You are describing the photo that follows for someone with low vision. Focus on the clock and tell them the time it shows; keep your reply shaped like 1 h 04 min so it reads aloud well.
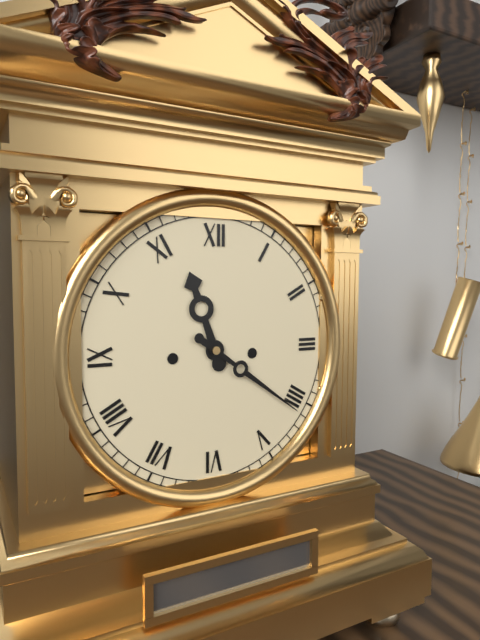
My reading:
11 h 21 min
